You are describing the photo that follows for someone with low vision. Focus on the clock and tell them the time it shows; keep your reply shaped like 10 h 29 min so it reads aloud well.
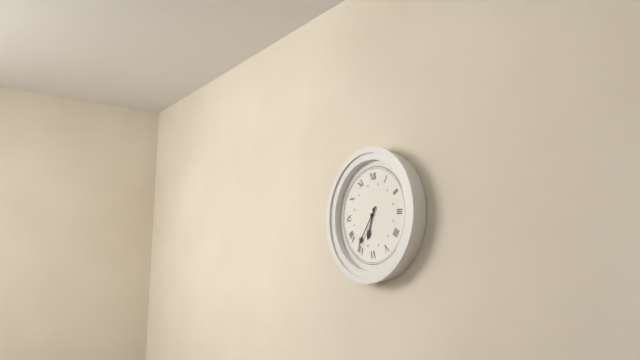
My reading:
6 h 36 min
